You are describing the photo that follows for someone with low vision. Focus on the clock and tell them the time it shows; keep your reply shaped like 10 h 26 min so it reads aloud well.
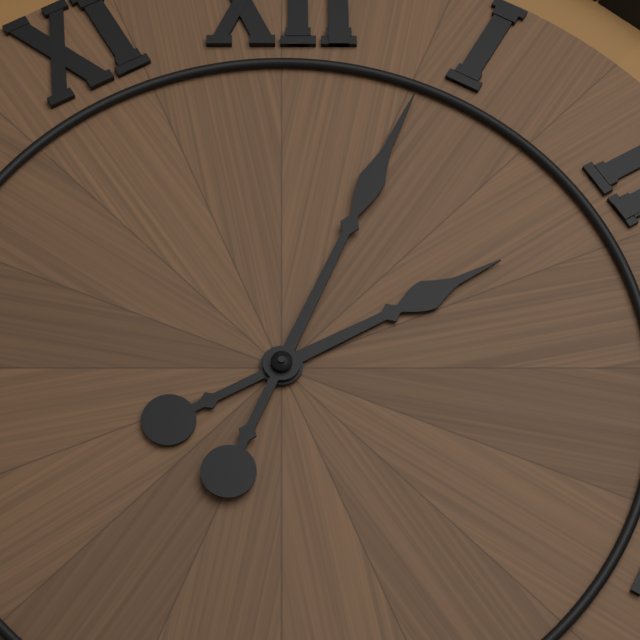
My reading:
2 h 04 min
